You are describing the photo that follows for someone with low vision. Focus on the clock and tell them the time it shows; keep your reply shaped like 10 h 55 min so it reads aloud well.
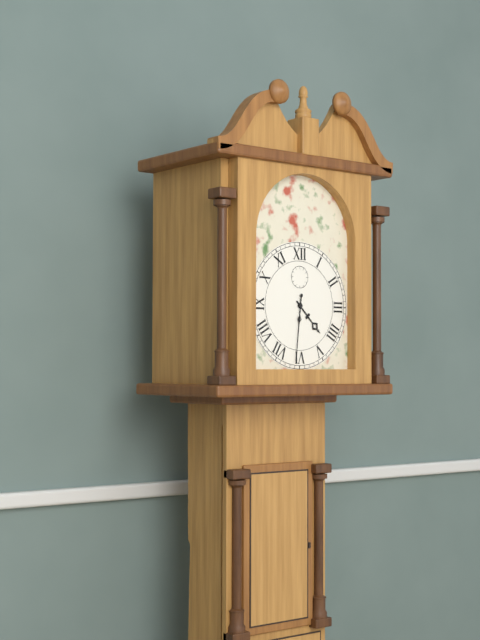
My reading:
4 h 31 min
